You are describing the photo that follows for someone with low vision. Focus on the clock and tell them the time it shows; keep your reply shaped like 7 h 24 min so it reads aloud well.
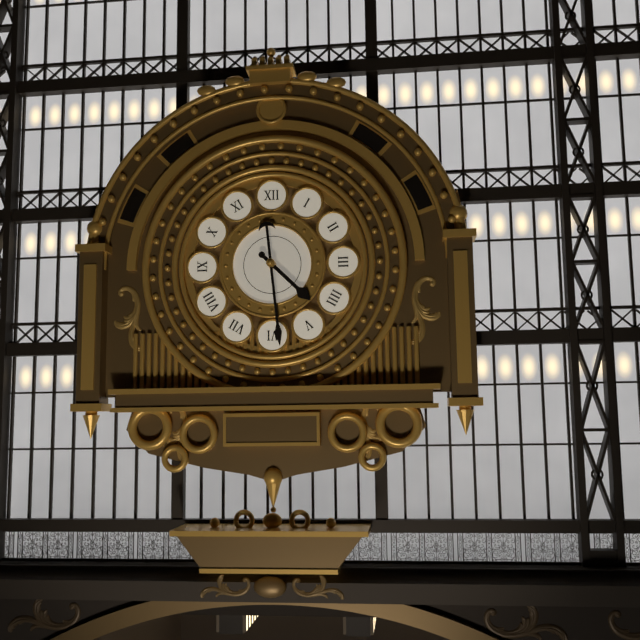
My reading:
4 h 29 min
